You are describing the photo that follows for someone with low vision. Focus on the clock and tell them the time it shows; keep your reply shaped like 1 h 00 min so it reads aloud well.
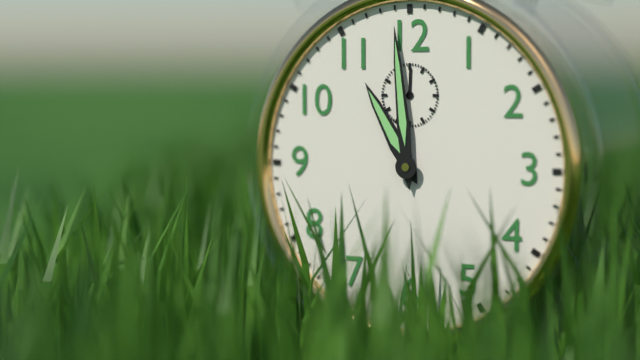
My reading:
10 h 59 min
